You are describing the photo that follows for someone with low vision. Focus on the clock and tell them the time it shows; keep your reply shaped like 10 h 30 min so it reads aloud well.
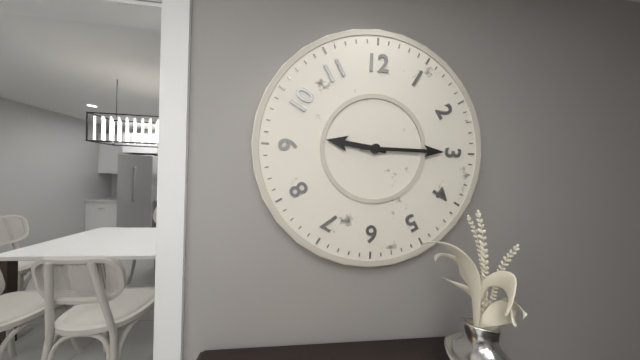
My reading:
9 h 15 min
